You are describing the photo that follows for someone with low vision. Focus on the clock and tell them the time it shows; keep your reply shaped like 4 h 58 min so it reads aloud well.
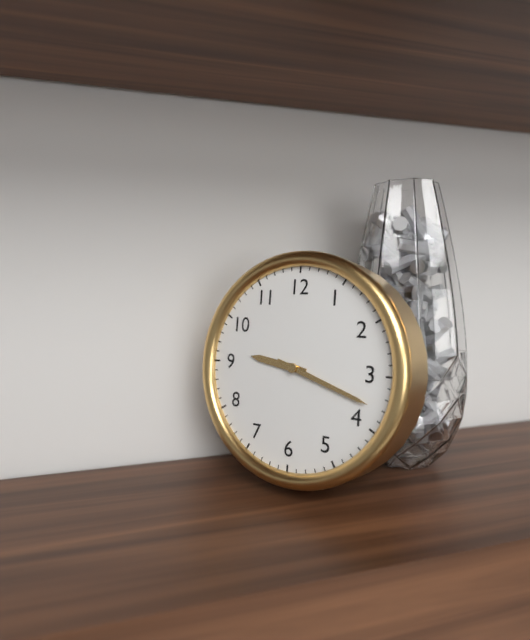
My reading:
9 h 18 min
